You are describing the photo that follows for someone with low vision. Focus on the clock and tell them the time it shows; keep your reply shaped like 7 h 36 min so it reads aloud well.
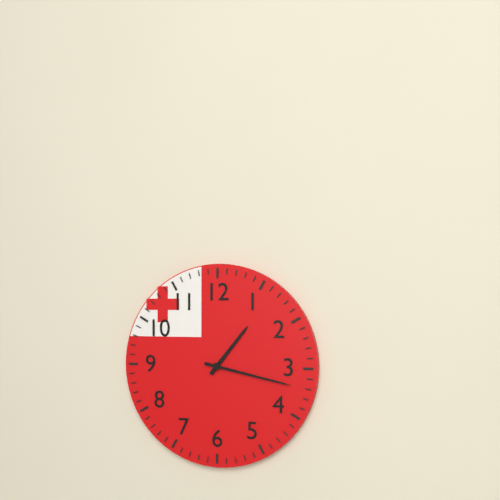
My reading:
1 h 17 min
